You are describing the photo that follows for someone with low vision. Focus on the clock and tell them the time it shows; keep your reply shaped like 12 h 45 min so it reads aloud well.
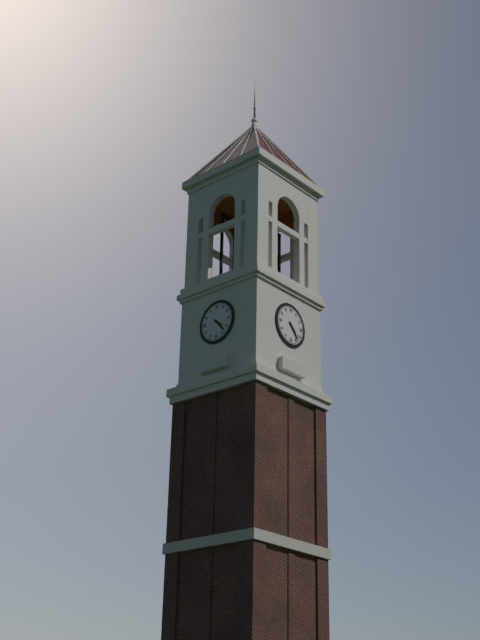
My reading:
4 h 23 min
